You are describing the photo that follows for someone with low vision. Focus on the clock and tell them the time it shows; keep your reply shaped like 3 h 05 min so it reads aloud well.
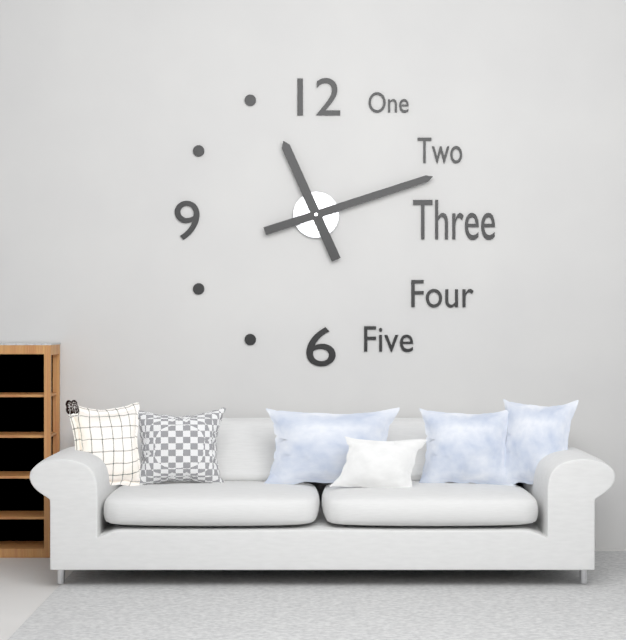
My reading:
11 h 12 min
